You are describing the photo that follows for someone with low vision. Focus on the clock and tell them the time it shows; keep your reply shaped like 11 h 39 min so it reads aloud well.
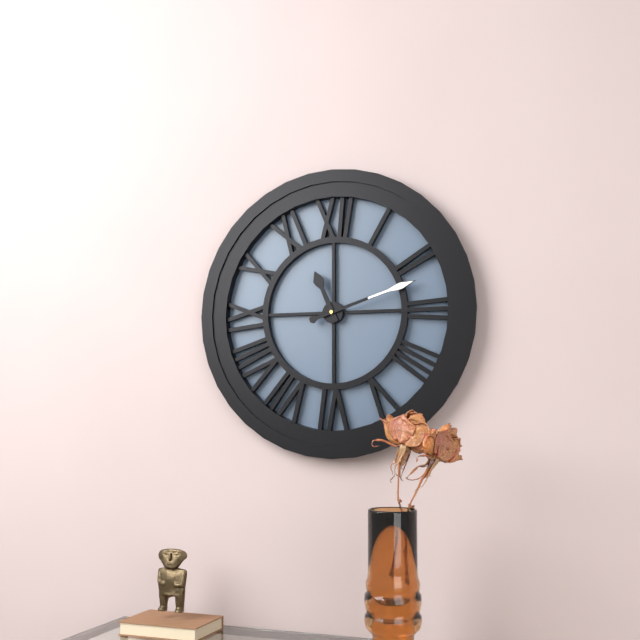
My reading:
11 h 12 min
